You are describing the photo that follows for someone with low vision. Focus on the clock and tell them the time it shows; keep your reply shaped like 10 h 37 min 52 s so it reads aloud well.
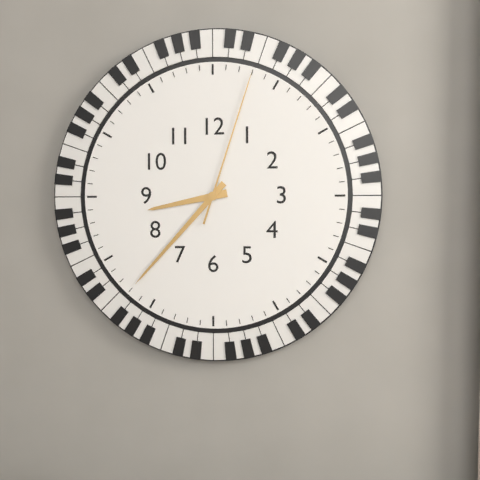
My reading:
8 h 37 min 03 s
